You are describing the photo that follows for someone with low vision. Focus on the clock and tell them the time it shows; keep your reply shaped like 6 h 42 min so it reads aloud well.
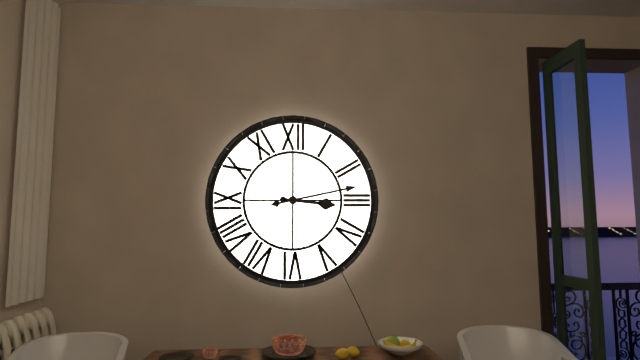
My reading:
3 h 13 min
